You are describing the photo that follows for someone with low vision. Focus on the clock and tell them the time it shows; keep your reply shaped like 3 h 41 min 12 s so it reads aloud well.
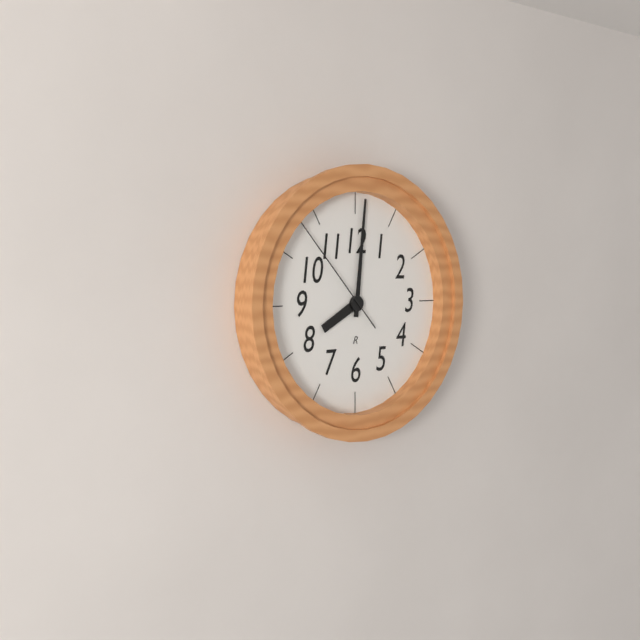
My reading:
8 h 01 min 53 s
